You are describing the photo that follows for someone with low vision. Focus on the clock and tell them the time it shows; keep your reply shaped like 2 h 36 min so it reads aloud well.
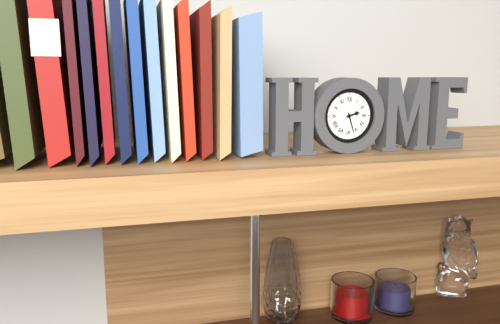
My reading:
2 h 27 min
